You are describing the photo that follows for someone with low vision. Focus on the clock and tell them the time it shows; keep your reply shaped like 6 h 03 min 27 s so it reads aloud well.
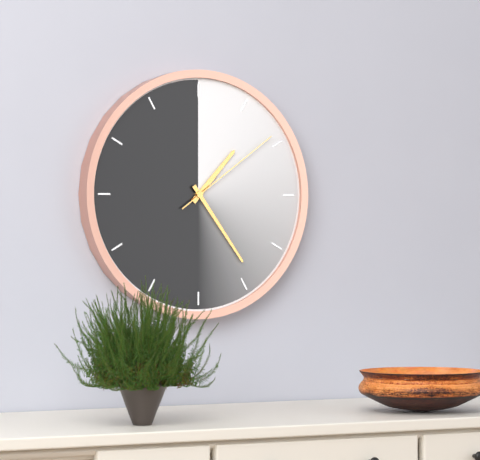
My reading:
1 h 24 min 09 s
